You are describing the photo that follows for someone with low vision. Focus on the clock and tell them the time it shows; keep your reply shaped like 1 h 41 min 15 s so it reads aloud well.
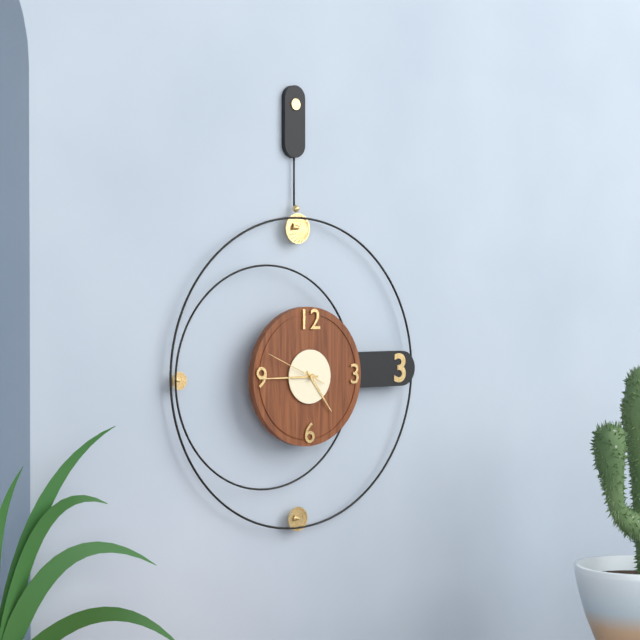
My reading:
4 h 45 min 49 s
